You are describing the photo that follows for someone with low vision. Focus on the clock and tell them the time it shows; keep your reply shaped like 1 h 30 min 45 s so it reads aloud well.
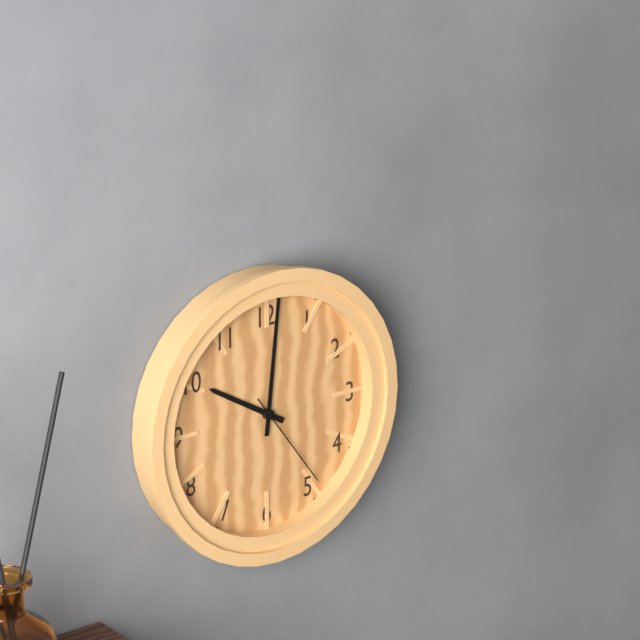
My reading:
10 h 01 min 24 s
